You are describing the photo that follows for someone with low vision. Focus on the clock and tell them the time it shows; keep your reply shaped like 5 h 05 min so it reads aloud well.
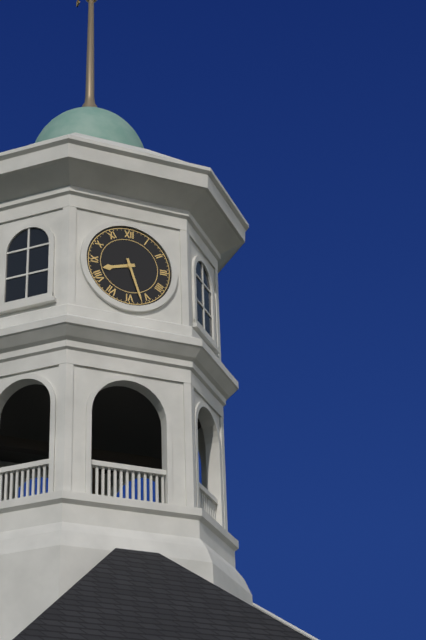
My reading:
8 h 27 min
